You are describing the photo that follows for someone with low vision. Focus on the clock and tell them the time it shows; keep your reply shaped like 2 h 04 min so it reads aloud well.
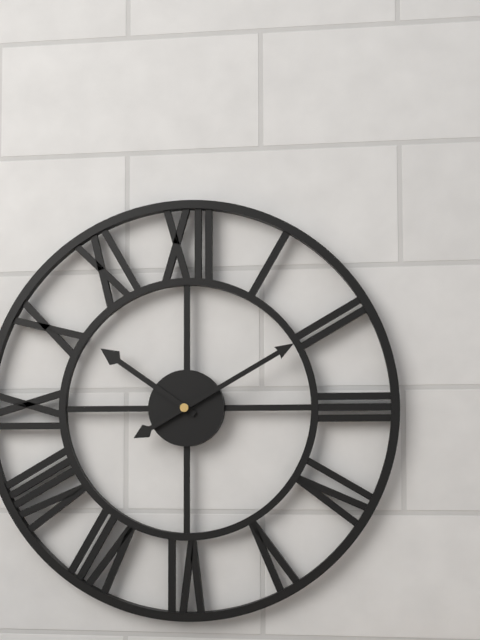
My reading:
10 h 10 min
